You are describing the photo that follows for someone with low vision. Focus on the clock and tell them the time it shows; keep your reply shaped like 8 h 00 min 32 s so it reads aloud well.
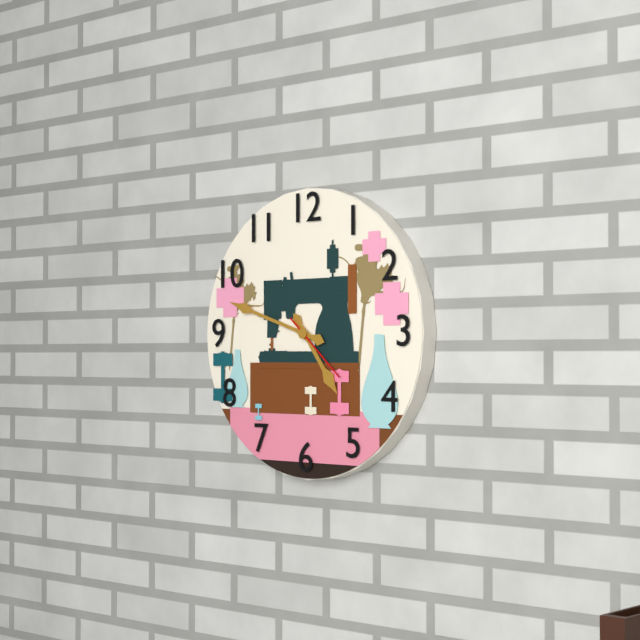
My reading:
4 h 48 min 22 s
